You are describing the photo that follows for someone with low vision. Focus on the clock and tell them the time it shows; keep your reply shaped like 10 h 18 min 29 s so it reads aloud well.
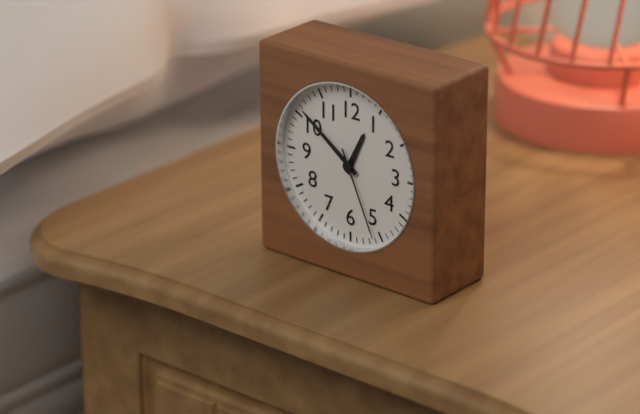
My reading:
12 h 51 min 26 s
